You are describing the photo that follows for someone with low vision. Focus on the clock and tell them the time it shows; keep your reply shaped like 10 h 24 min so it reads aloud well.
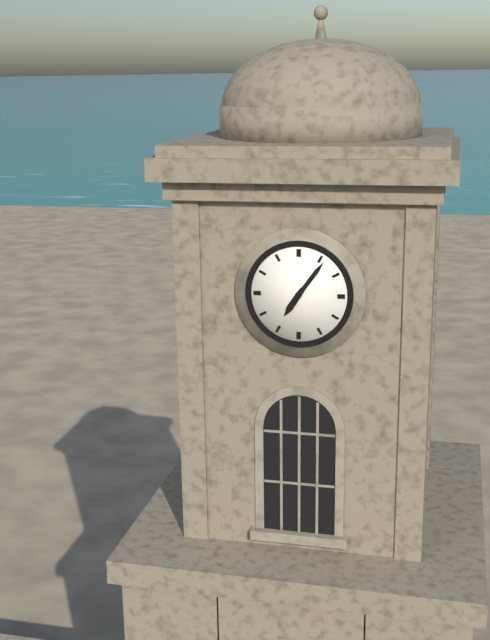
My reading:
7 h 06 min
